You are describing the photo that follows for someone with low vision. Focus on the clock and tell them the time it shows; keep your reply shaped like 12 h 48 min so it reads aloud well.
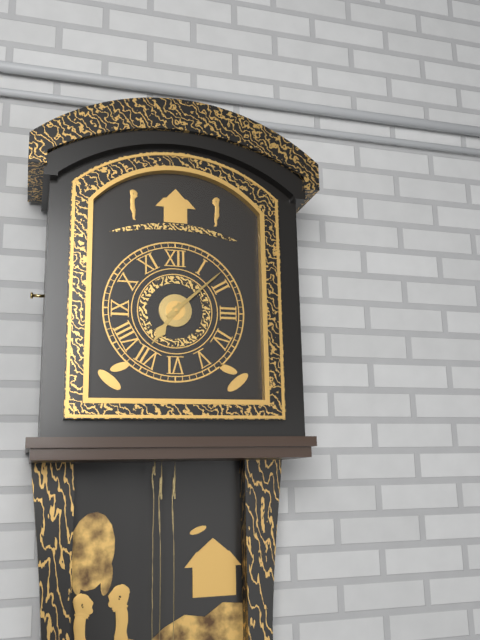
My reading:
7 h 08 min
